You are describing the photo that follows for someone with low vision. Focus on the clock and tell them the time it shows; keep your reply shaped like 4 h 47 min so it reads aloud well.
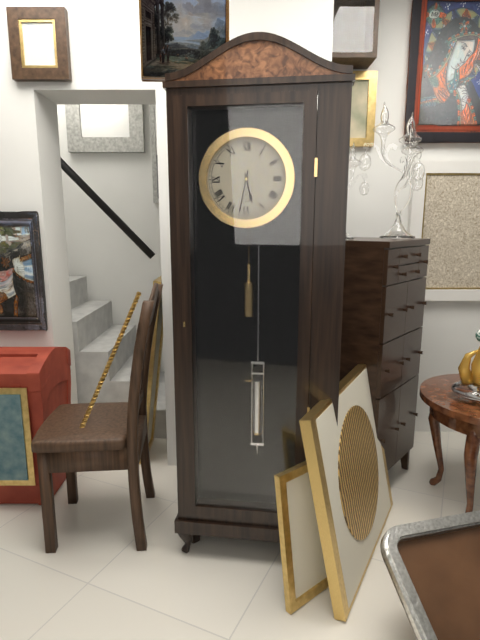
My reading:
5 h 32 min
